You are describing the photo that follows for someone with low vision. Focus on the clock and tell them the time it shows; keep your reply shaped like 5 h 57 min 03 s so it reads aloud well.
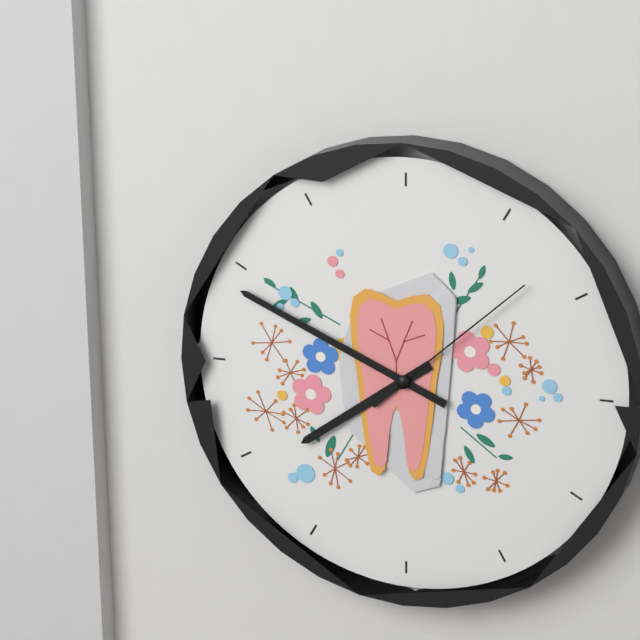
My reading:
7 h 49 min 08 s
